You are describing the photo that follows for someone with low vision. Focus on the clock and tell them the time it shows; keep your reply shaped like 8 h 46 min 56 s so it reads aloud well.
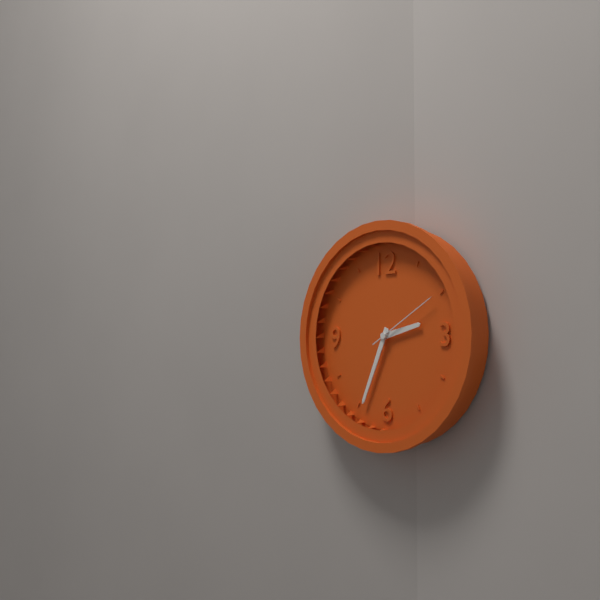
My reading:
2 h 34 min 10 s
